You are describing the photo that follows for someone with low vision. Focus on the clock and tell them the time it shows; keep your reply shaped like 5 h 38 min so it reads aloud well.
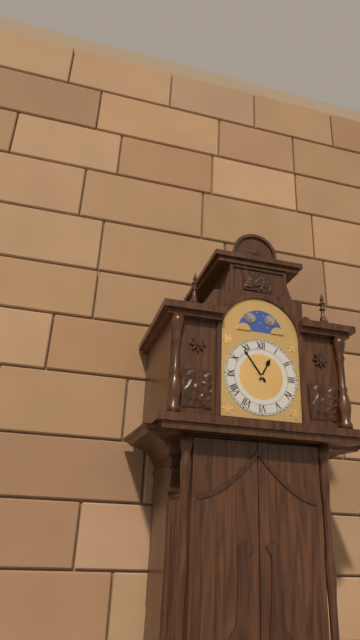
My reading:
12 h 54 min
